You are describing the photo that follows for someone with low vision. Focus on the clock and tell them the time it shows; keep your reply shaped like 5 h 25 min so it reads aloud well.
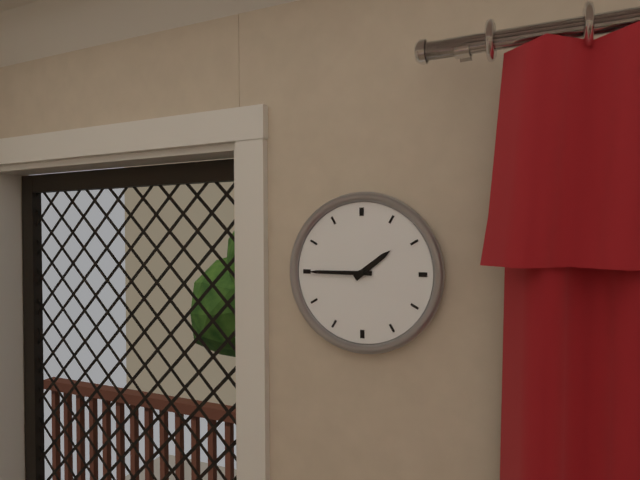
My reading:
1 h 45 min
